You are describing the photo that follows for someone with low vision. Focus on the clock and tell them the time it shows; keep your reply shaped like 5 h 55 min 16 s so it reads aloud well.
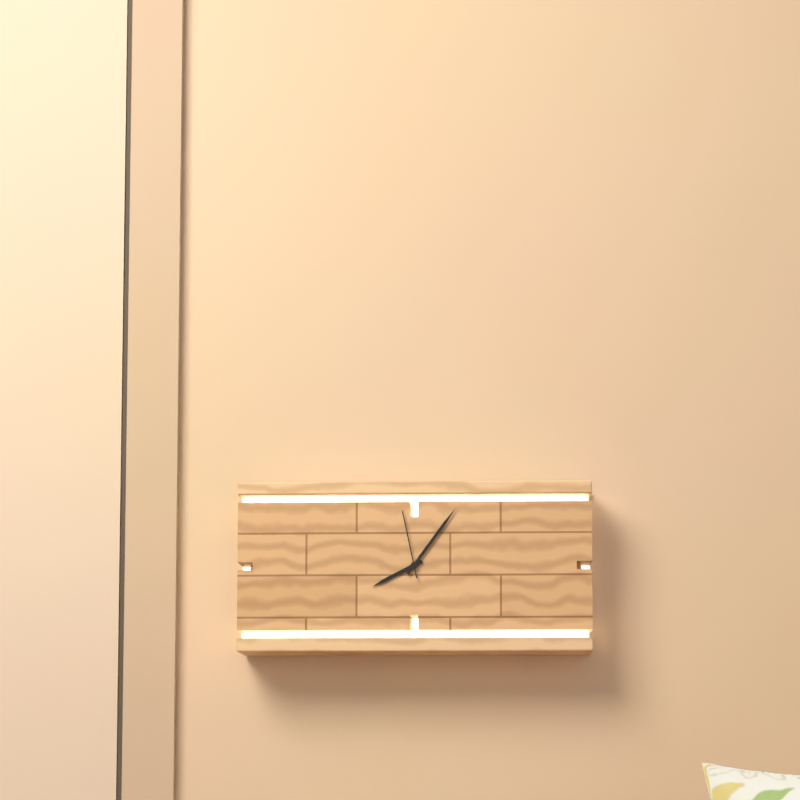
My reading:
8 h 06 min 58 s
